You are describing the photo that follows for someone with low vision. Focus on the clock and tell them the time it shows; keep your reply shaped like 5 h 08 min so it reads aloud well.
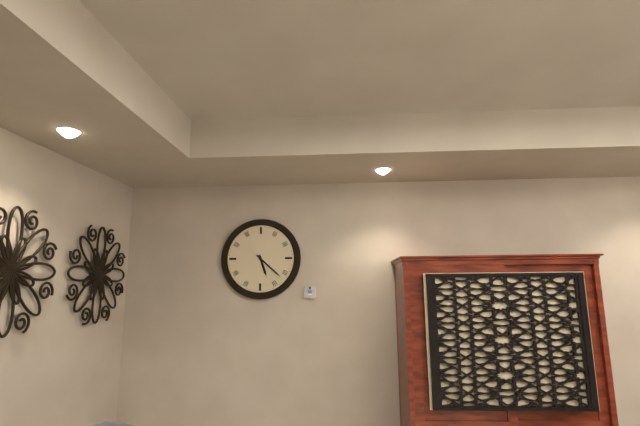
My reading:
5 h 22 min
